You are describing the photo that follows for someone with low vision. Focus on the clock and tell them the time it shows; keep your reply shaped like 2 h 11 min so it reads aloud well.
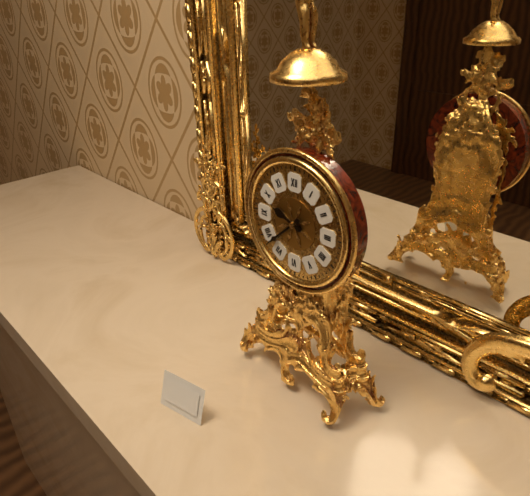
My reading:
9 h 38 min
